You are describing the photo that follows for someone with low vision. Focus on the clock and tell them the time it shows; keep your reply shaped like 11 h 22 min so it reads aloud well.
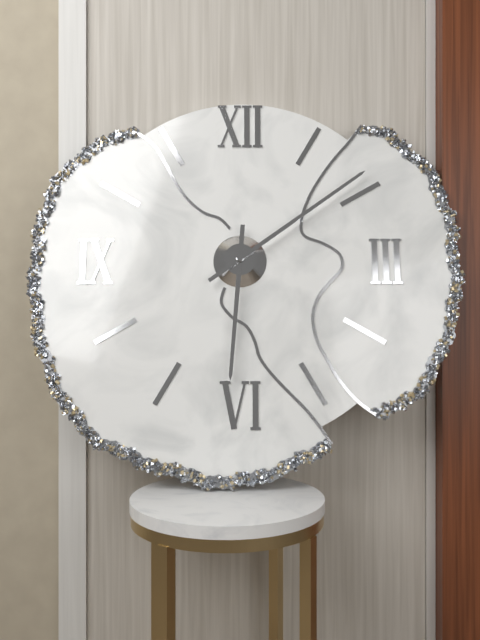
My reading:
6 h 09 min
